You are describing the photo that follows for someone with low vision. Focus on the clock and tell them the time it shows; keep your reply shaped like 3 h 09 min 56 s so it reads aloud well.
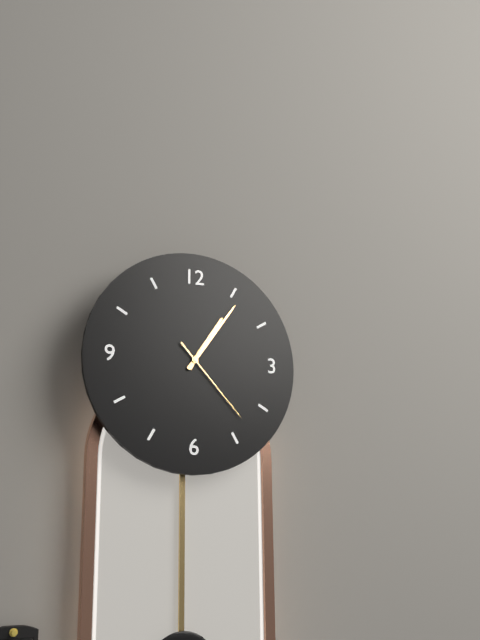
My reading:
1 h 06 min 23 s
